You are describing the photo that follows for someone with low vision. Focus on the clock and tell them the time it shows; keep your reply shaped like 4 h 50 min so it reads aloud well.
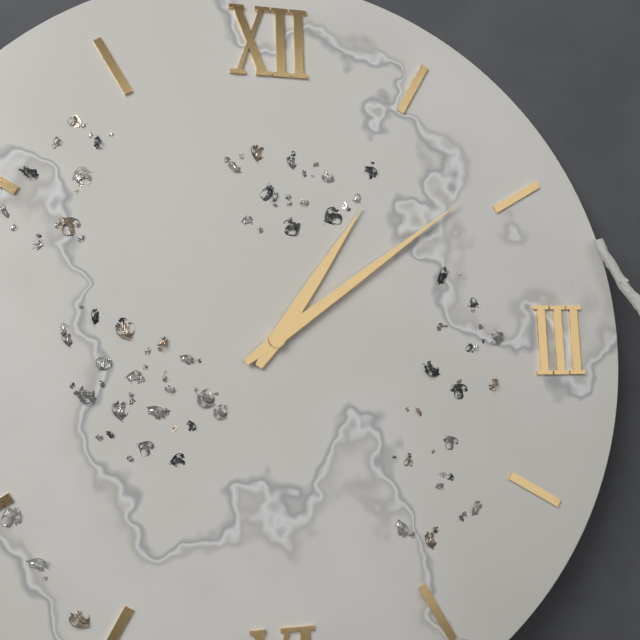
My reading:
1 h 09 min
